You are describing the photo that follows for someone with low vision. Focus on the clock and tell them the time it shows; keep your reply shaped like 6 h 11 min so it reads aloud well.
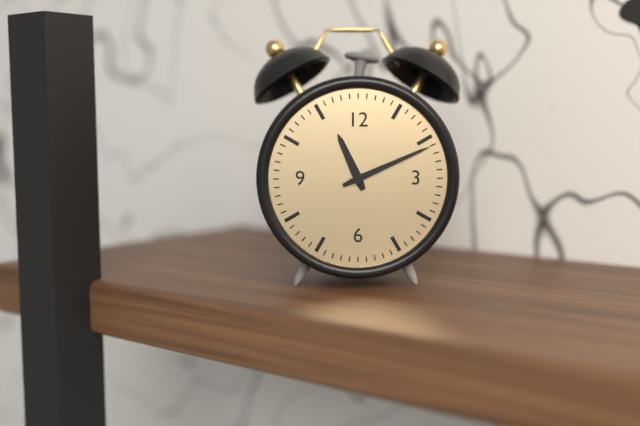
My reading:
11 h 11 min
